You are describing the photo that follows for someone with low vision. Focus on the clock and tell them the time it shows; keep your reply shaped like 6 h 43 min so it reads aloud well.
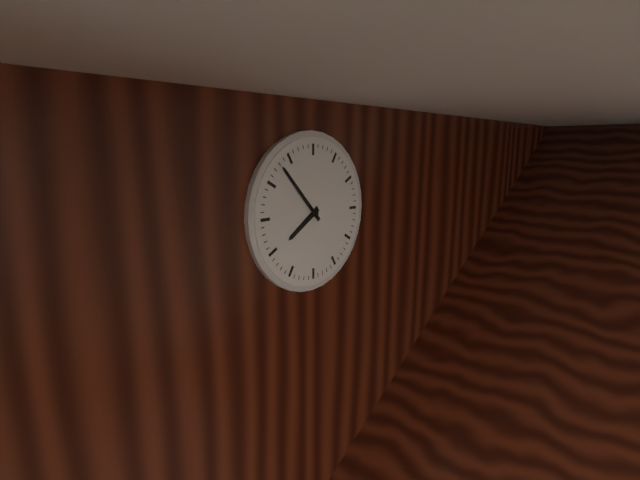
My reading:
7 h 53 min
